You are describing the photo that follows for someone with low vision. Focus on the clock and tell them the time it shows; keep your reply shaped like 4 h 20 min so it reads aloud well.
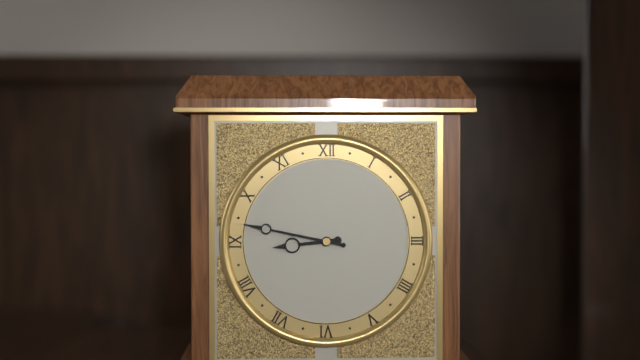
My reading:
8 h 47 min
